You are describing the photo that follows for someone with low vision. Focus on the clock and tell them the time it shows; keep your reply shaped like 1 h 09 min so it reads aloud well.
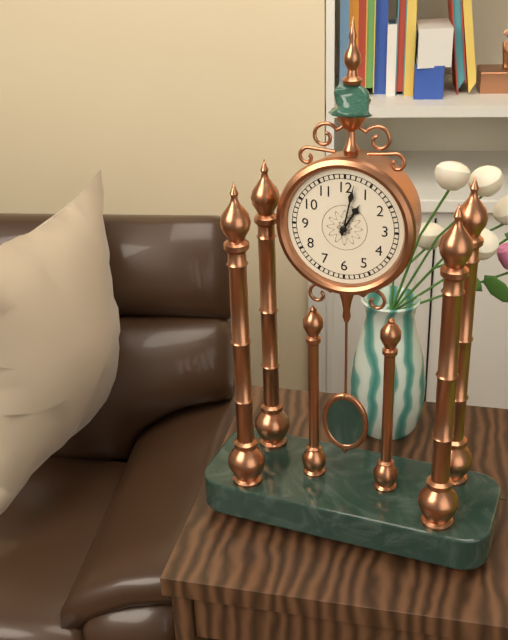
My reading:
1 h 02 min
